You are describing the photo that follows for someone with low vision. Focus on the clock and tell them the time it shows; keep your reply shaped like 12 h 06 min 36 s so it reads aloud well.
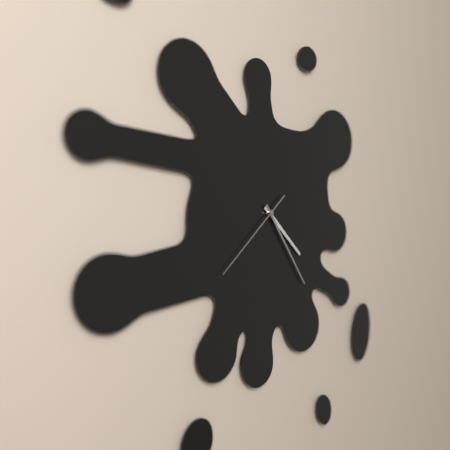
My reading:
4 h 24 min 38 s
